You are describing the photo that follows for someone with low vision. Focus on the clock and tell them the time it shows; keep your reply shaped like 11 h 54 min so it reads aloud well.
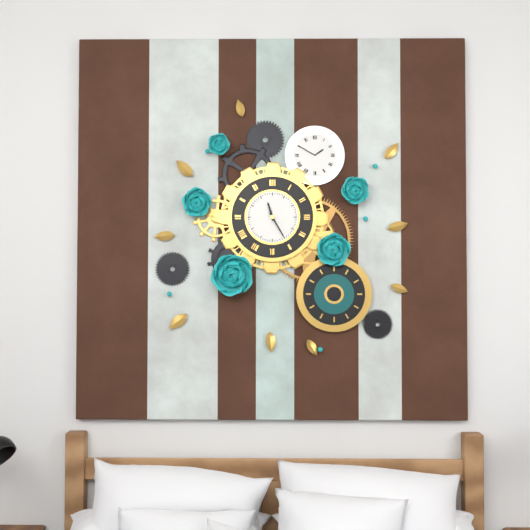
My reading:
11 h 25 min
